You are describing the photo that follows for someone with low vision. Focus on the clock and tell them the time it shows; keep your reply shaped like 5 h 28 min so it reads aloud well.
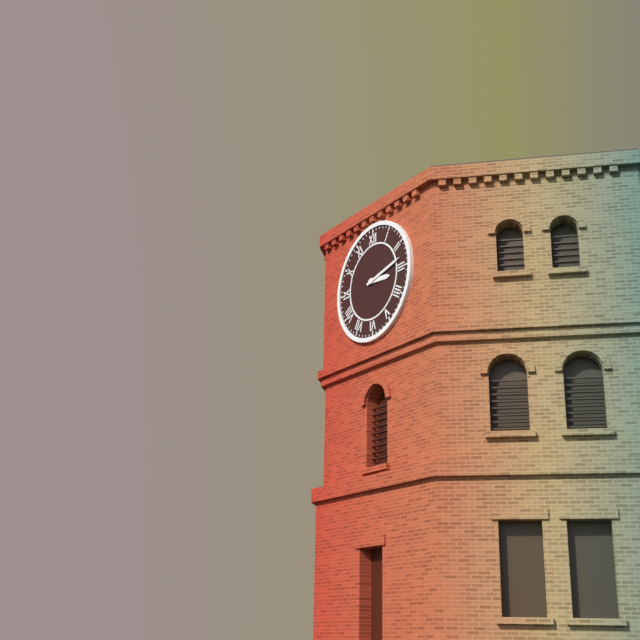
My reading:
3 h 13 min
